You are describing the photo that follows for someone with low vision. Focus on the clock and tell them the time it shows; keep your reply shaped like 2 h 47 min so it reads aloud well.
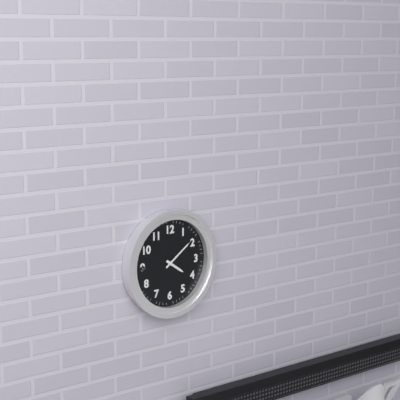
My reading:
4 h 09 min
